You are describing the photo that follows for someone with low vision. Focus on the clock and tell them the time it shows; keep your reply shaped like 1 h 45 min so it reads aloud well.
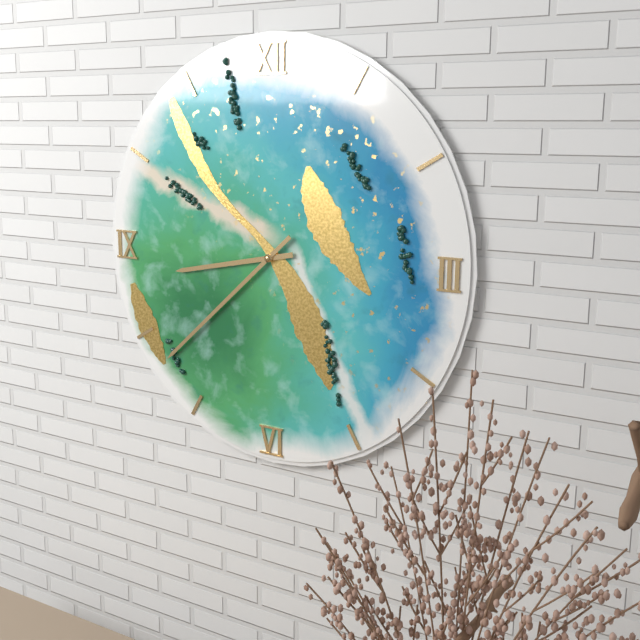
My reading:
8 h 38 min
